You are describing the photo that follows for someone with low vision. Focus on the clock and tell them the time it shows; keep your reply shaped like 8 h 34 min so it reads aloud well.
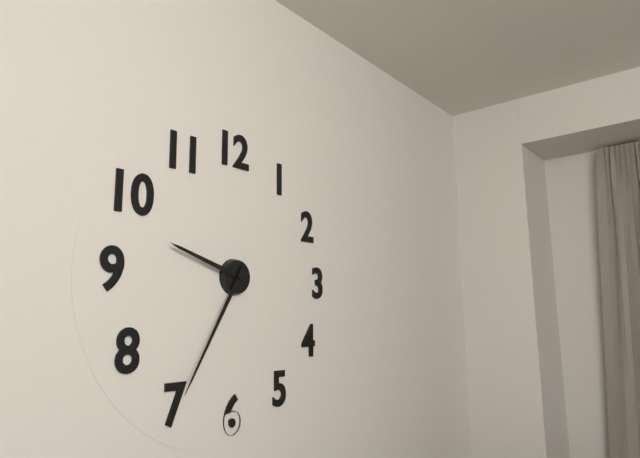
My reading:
9 h 35 min
